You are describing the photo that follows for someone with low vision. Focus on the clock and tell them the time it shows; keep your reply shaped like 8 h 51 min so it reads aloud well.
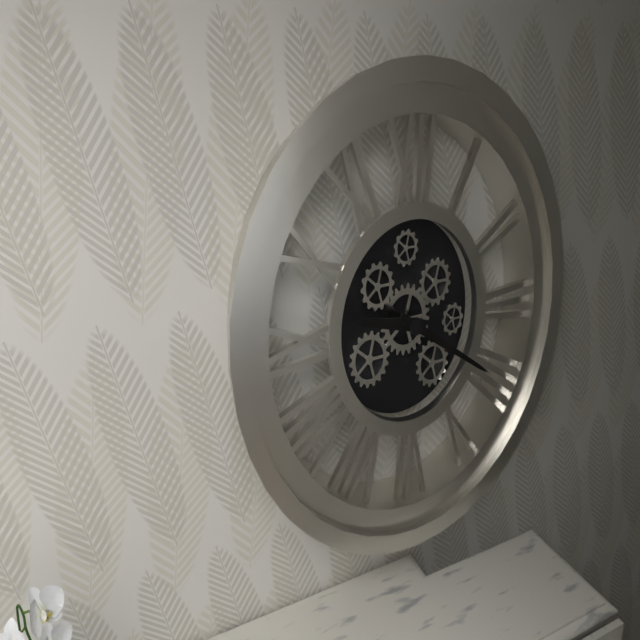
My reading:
9 h 20 min
